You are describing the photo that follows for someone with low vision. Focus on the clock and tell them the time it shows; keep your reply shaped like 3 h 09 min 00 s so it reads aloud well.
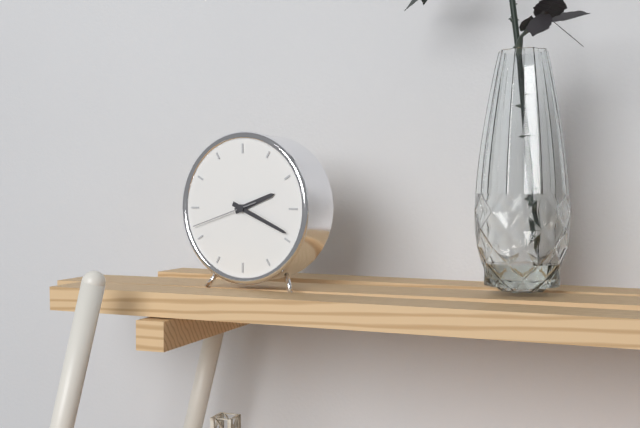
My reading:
2 h 19 min 42 s
